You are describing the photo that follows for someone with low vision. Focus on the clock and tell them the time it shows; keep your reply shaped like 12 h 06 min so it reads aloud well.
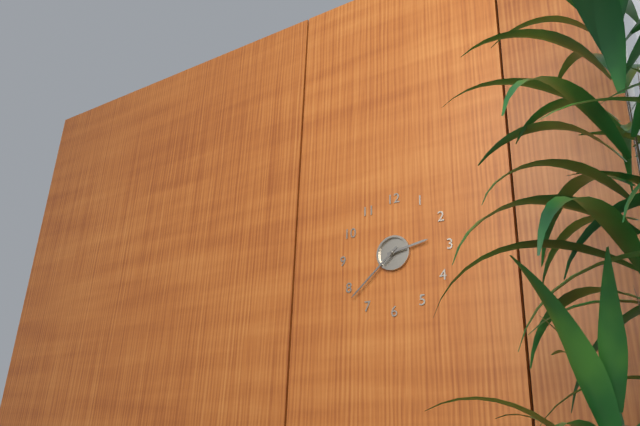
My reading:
2 h 38 min
